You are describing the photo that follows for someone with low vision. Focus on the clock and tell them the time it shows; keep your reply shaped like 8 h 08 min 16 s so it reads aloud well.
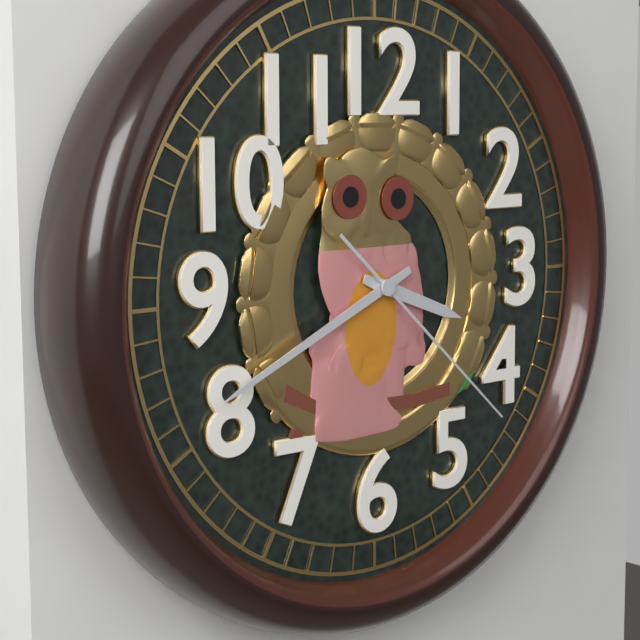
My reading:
3 h 41 min 22 s
